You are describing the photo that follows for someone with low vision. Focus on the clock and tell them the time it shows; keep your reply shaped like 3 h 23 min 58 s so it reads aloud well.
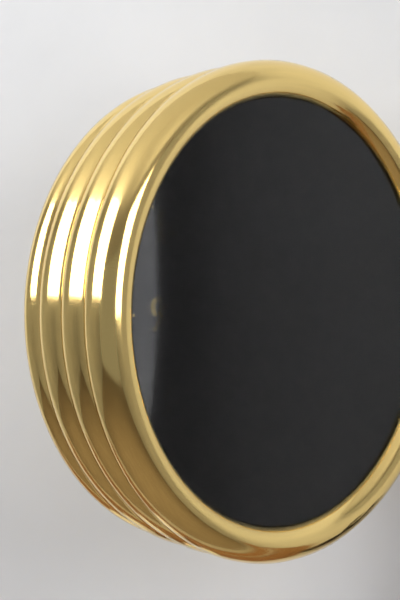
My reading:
9 h 54 min 35 s
